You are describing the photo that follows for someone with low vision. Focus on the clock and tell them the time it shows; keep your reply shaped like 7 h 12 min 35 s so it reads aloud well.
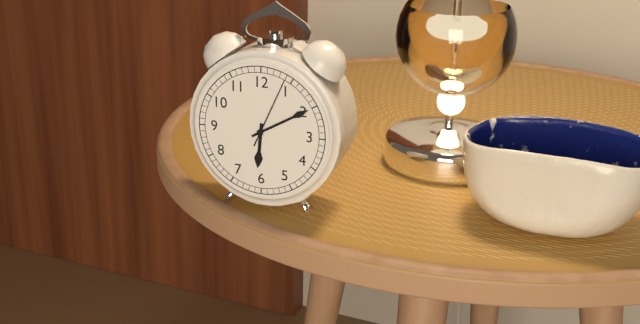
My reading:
6 h 10 min 04 s
